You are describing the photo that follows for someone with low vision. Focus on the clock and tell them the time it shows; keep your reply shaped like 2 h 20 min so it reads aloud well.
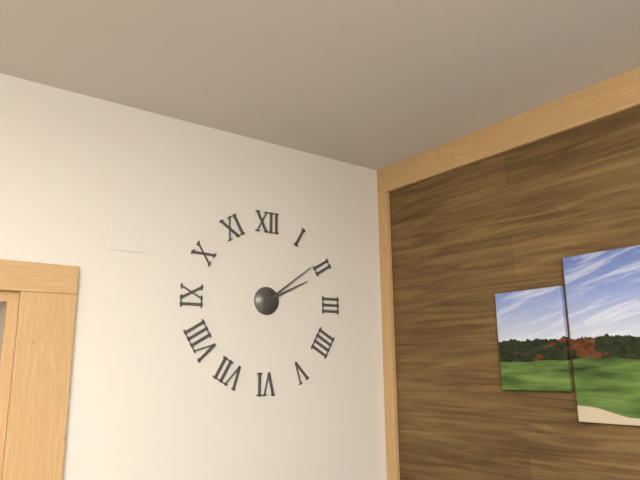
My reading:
2 h 09 min
